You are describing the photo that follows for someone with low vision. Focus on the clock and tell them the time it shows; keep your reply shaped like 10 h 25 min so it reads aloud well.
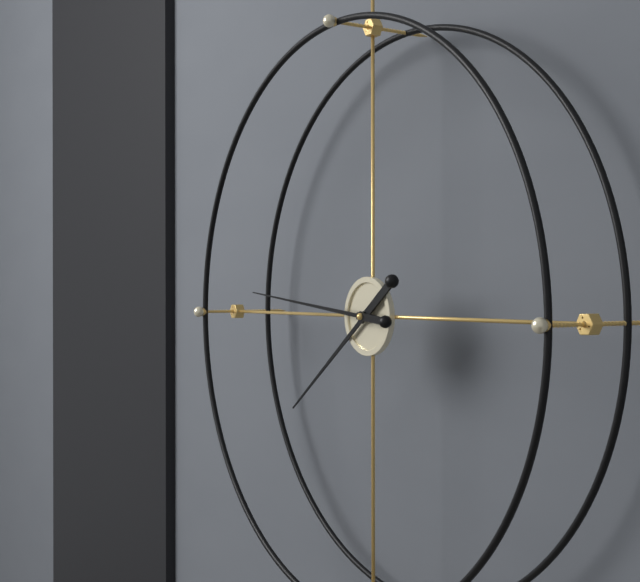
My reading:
7 h 46 min
